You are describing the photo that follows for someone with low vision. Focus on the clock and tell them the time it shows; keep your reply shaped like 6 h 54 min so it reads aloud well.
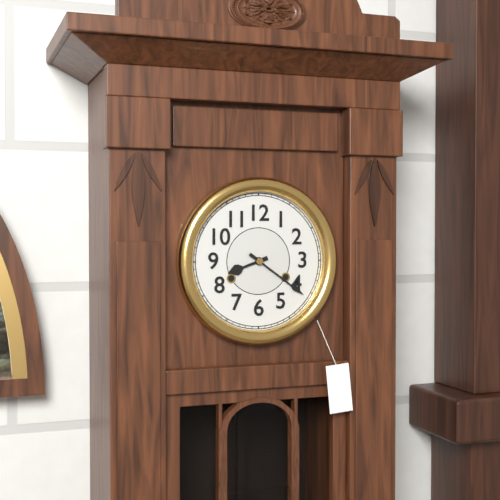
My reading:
8 h 21 min
